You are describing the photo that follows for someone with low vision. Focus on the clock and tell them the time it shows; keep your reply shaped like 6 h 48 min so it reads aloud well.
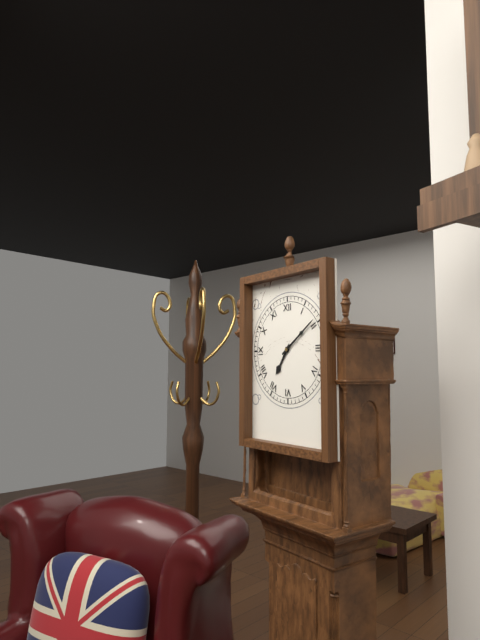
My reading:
7 h 09 min
